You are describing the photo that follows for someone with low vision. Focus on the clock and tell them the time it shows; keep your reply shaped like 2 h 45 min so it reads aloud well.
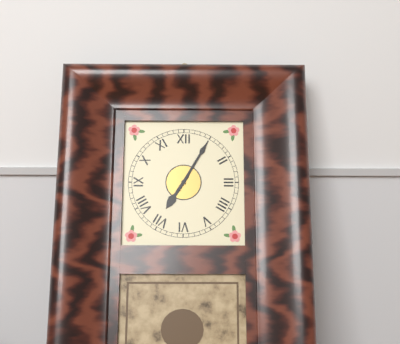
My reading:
7 h 05 min
